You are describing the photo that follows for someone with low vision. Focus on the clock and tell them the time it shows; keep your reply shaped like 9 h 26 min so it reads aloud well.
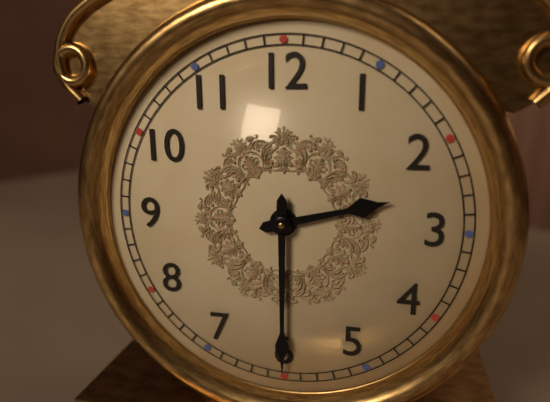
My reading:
2 h 30 min
